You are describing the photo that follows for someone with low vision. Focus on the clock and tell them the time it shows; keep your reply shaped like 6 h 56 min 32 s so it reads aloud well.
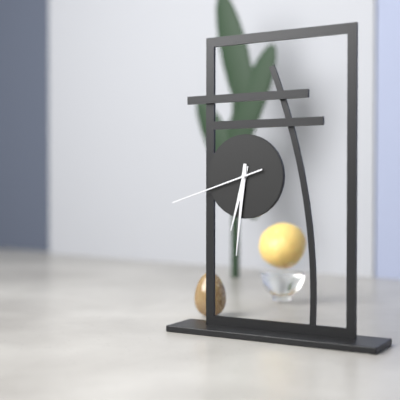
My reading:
6 h 31 min 42 s
